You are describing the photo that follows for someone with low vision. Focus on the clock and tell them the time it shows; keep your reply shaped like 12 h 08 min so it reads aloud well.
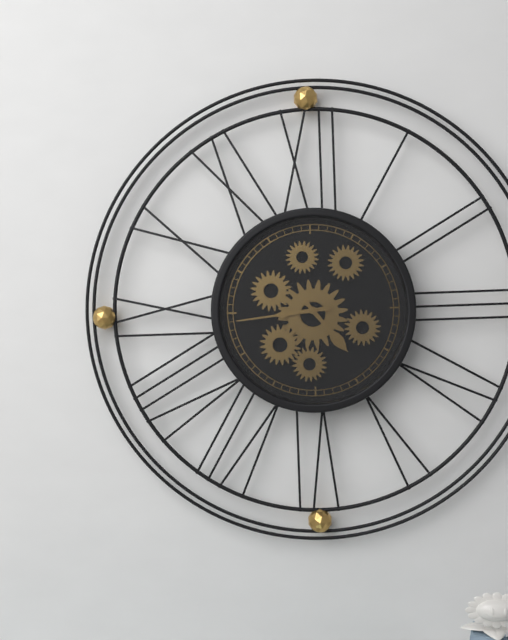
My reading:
4 h 44 min
